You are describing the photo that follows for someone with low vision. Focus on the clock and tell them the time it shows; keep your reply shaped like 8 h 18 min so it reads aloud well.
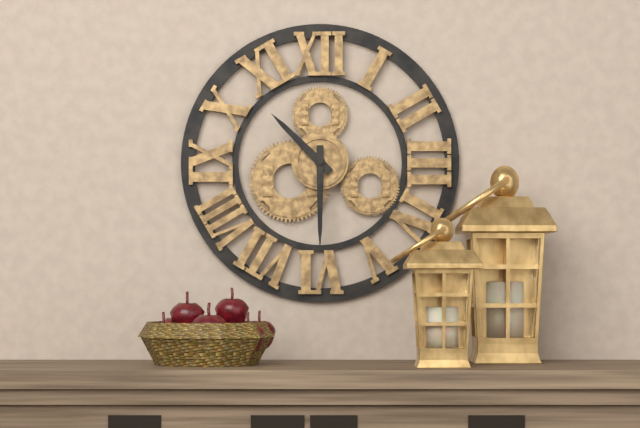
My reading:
10 h 30 min
